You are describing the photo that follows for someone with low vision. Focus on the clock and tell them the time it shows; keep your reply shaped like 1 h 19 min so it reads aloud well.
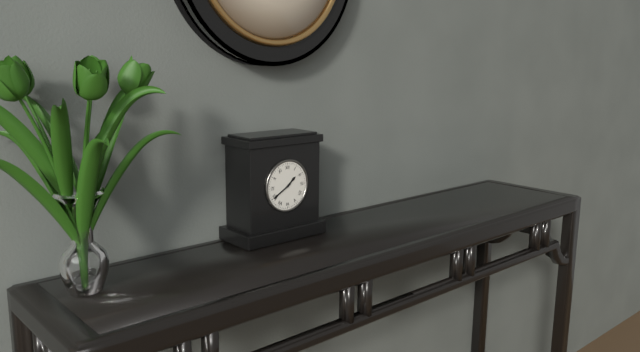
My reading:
1 h 40 min
